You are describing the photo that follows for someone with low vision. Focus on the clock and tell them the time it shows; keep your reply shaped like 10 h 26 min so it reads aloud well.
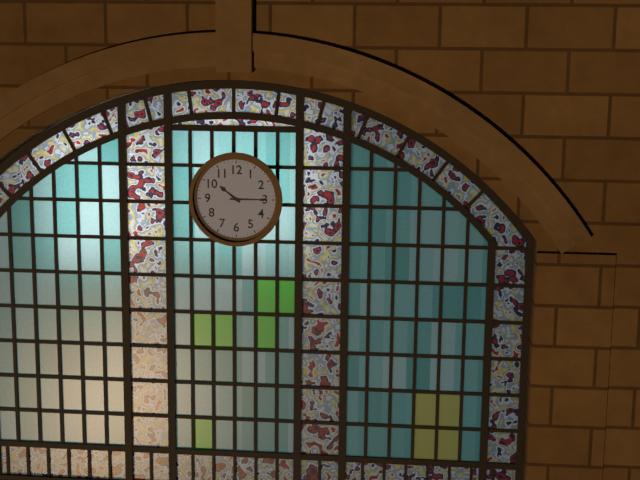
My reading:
10 h 15 min
